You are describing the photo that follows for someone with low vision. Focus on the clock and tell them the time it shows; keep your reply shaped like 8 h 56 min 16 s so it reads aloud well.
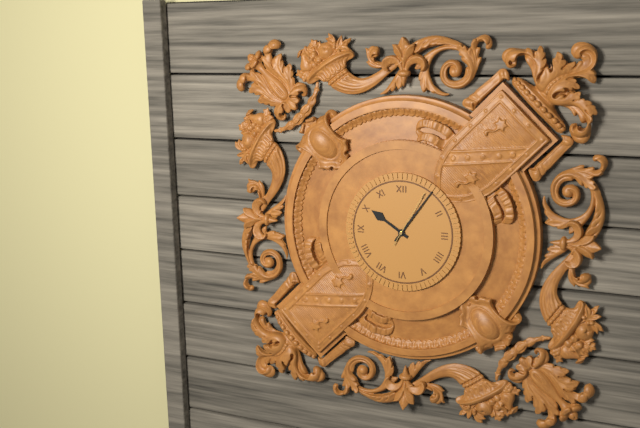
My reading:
10 h 06 min 05 s
